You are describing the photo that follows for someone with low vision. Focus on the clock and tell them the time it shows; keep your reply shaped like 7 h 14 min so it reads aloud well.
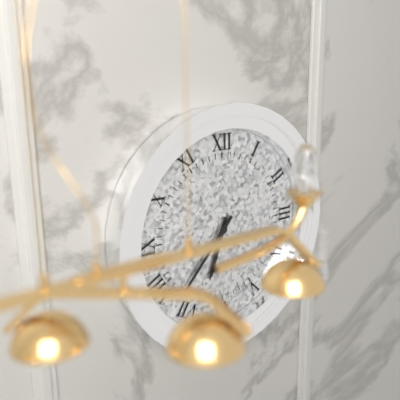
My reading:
6 h 37 min
